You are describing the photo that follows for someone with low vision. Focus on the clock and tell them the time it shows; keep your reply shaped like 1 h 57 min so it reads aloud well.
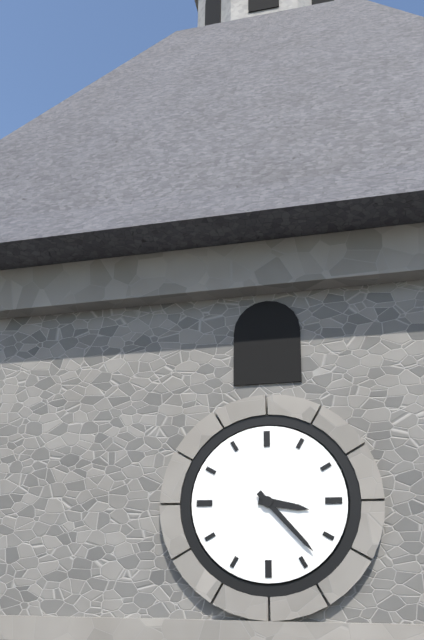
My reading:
3 h 23 min
